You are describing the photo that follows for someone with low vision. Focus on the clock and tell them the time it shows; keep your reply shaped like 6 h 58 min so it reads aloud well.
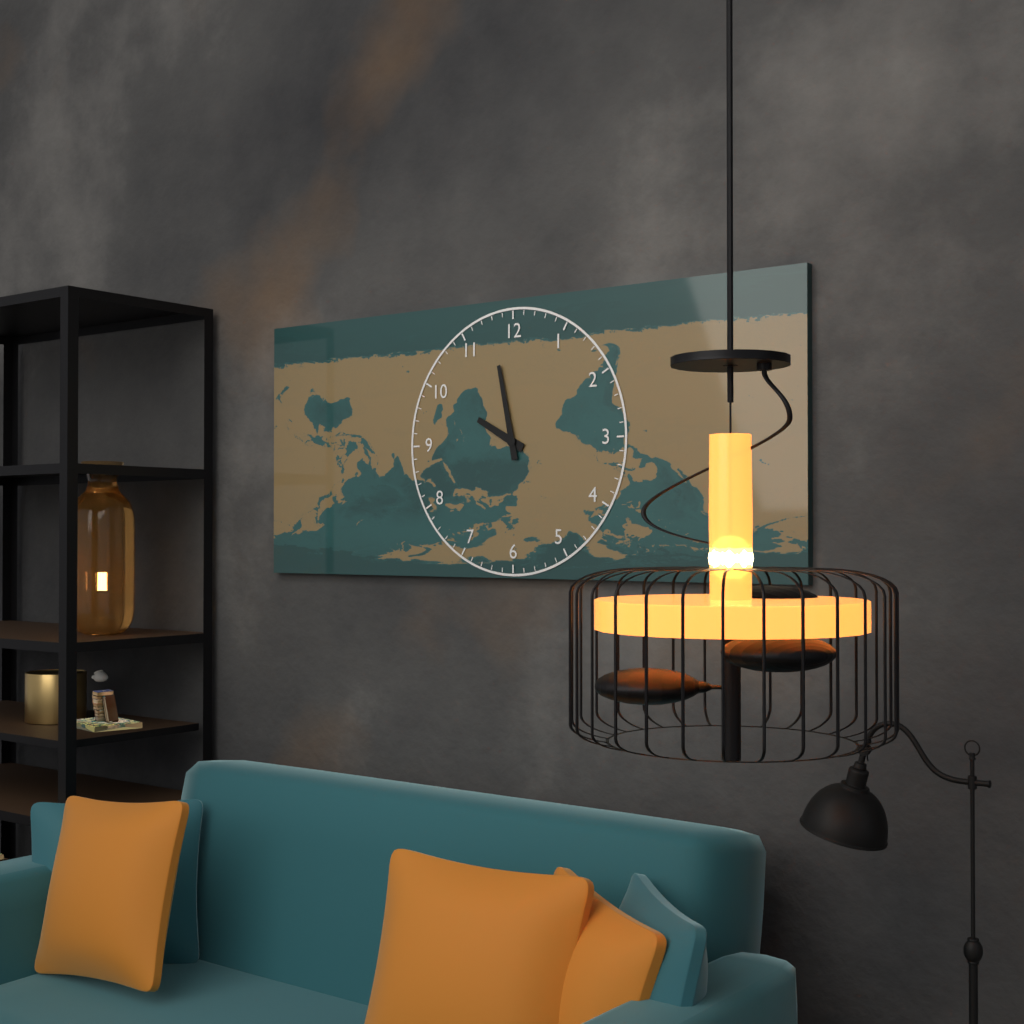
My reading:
9 h 58 min
